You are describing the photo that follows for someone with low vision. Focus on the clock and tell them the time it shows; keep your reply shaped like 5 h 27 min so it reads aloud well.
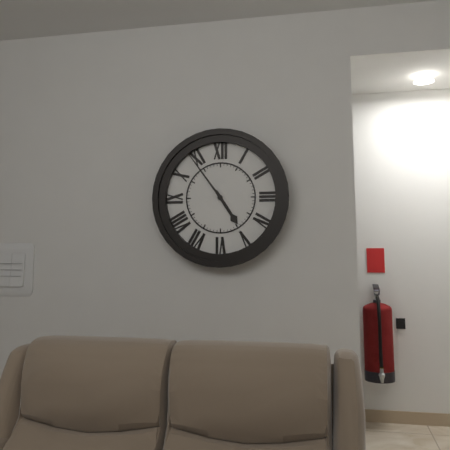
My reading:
4 h 54 min
